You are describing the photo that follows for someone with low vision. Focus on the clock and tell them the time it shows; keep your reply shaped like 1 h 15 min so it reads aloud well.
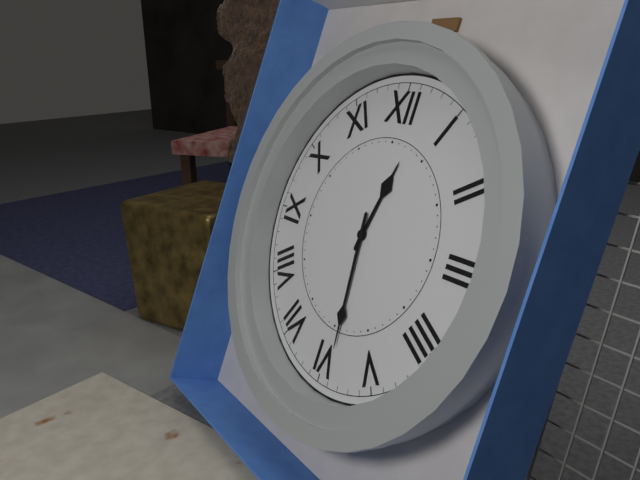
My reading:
12 h 29 min
